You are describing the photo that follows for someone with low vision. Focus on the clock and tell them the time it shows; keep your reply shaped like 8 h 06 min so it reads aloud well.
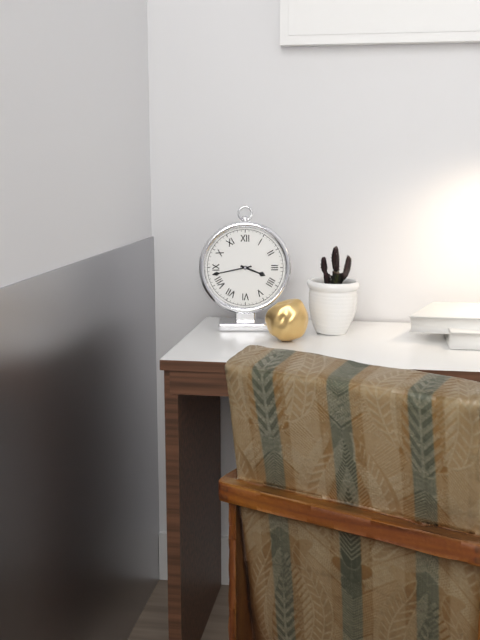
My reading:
3 h 43 min
